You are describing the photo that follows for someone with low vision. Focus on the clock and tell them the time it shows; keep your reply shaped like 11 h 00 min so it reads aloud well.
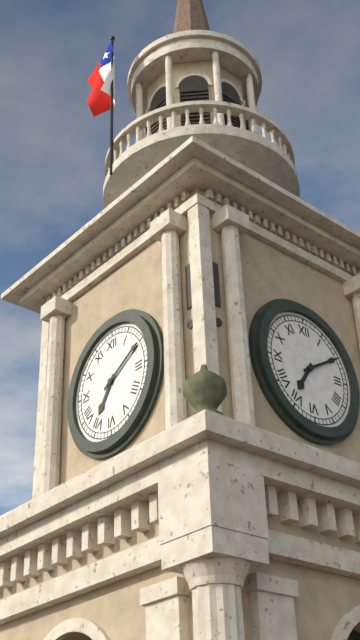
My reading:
7 h 10 min
